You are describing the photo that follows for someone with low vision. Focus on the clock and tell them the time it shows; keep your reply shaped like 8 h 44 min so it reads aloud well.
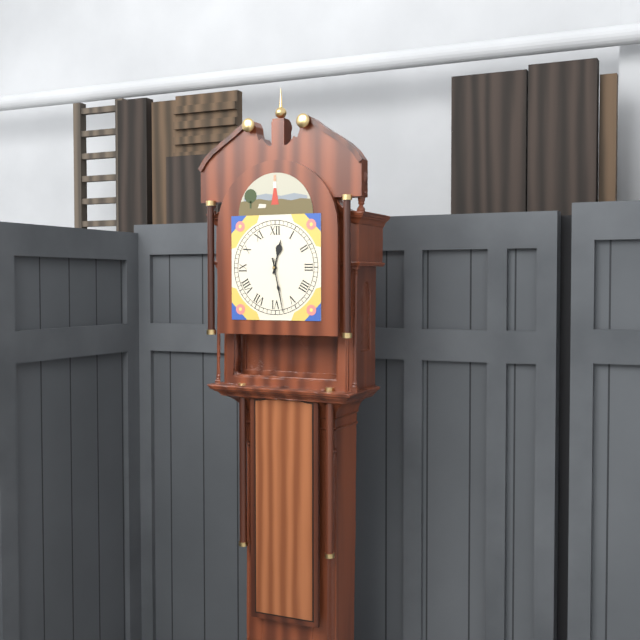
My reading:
12 h 28 min
